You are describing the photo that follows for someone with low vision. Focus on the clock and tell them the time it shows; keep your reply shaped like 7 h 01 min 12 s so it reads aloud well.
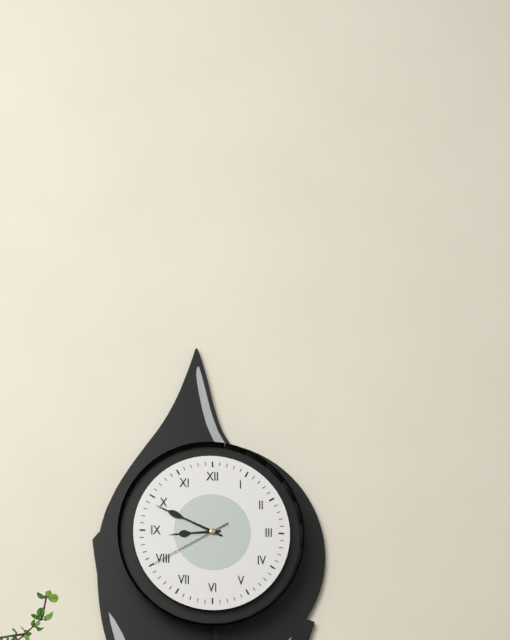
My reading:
8 h 49 min 40 s
